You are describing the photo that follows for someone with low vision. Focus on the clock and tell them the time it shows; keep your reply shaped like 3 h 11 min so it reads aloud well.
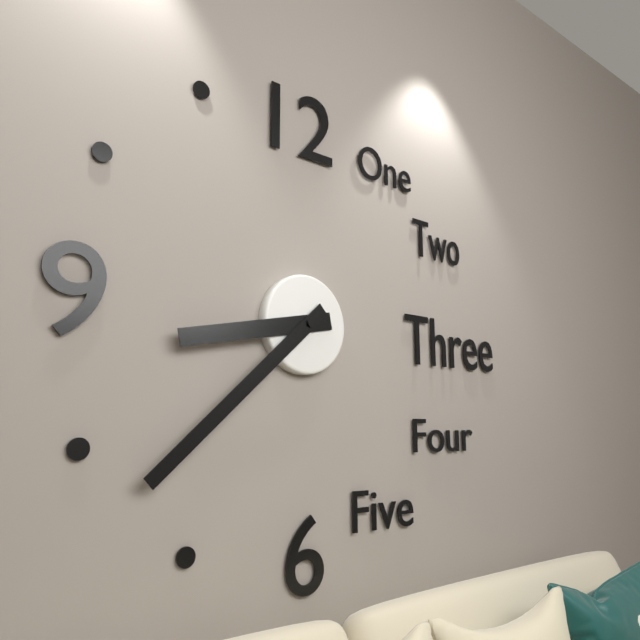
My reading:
8 h 38 min
